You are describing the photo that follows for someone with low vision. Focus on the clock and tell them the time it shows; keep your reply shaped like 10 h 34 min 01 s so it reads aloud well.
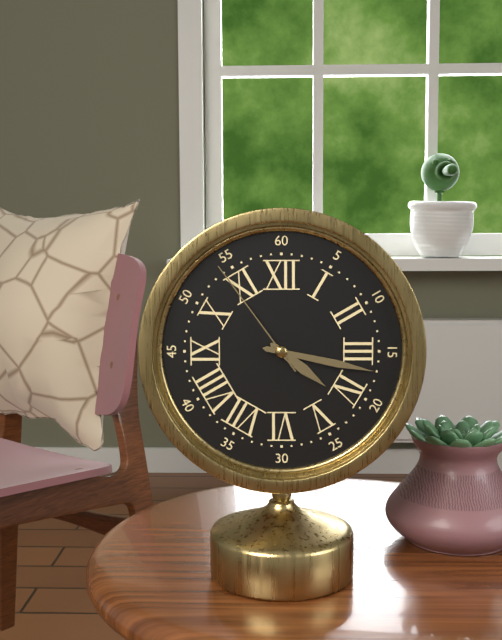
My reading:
4 h 17 min 54 s
